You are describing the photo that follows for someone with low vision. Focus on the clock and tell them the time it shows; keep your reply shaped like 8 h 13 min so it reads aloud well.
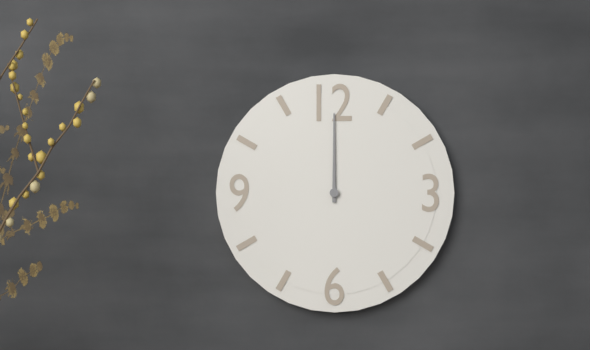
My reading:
12 h 00 min
